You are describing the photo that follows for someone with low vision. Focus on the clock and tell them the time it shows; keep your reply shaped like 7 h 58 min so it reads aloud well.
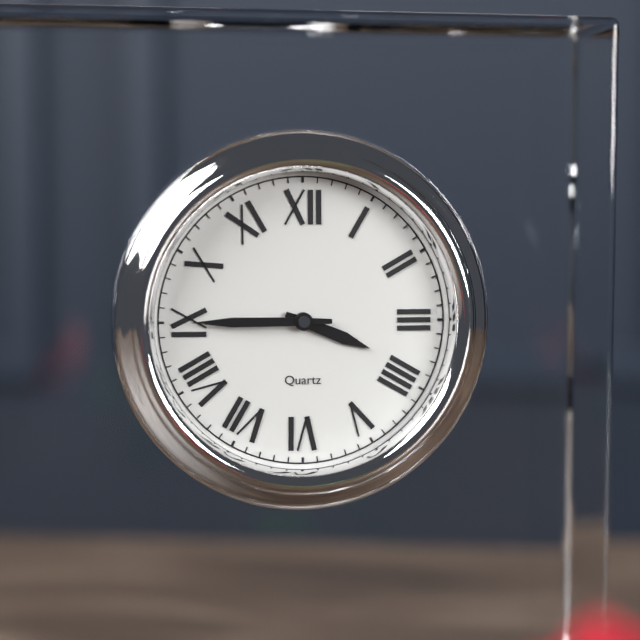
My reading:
3 h 45 min
